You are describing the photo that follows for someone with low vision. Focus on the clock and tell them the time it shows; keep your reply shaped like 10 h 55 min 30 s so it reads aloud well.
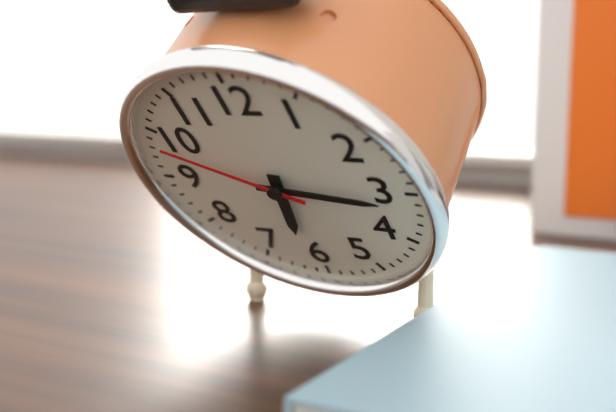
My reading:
6 h 16 min 49 s
